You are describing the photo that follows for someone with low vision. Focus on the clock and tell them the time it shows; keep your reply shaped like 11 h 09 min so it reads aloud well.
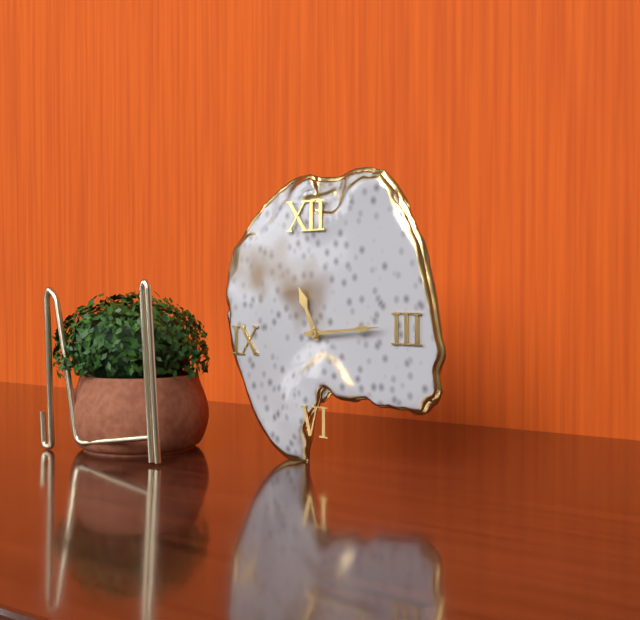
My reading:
11 h 14 min
